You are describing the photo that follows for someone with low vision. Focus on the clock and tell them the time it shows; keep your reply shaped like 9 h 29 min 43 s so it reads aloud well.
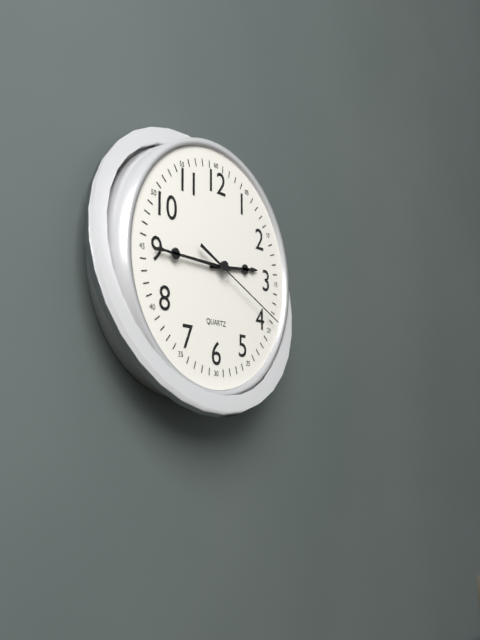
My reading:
2 h 45 min 19 s
